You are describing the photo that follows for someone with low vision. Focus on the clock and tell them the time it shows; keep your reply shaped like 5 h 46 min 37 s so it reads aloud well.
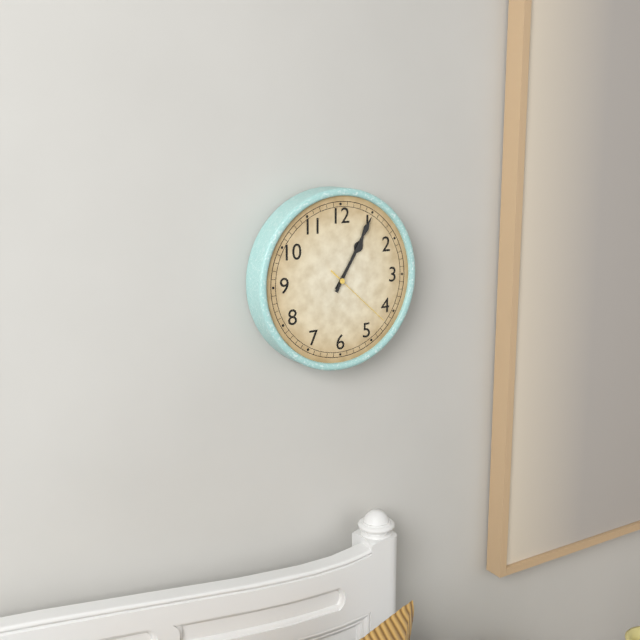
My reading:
1 h 05 min 22 s
